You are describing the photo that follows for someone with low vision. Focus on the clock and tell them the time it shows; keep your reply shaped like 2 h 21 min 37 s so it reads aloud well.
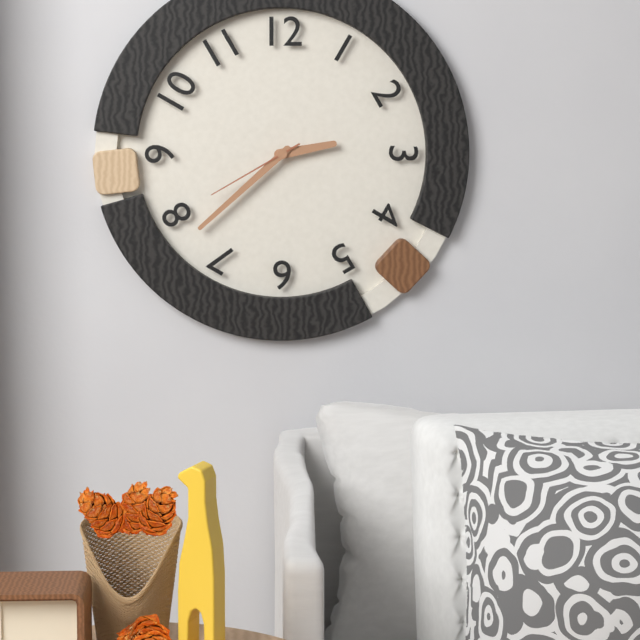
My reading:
2 h 38 min 40 s
